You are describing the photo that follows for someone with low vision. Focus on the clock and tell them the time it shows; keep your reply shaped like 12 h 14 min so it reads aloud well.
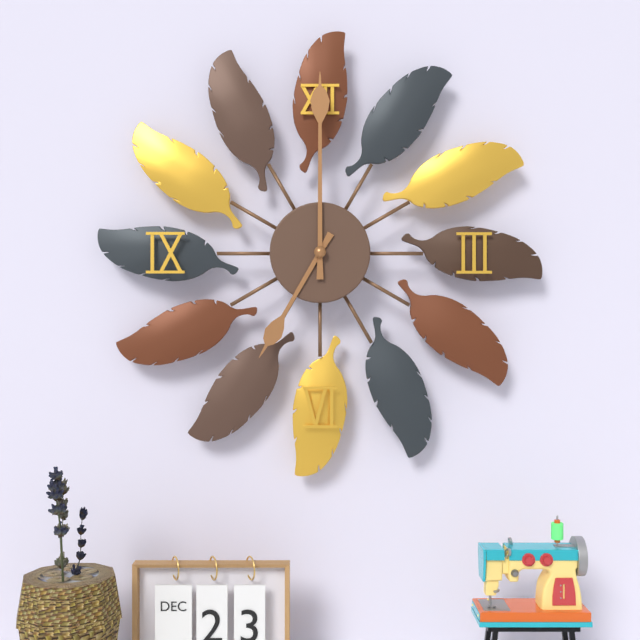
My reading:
7 h 00 min
